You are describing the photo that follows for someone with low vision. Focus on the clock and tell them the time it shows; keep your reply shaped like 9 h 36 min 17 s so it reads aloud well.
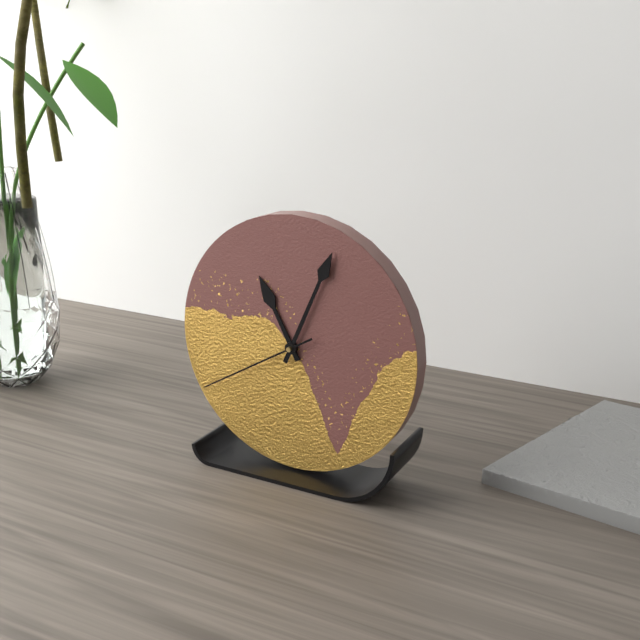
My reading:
11 h 04 min 40 s
